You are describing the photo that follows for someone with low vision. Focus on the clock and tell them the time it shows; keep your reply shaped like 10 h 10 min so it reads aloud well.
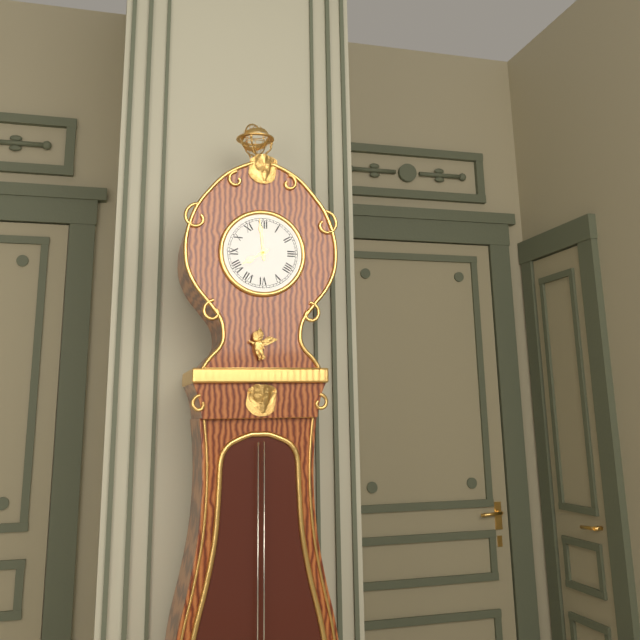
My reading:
7 h 59 min
